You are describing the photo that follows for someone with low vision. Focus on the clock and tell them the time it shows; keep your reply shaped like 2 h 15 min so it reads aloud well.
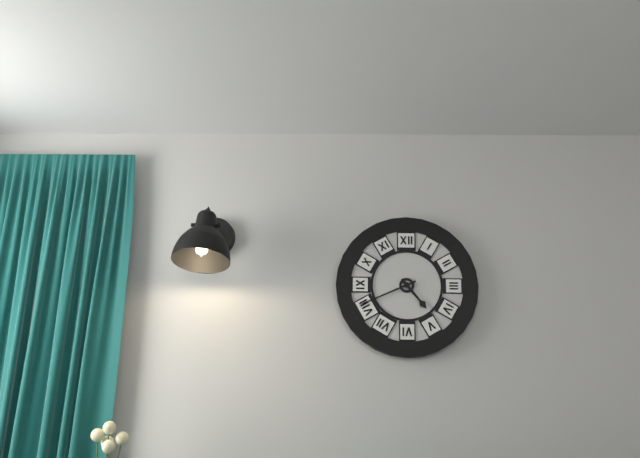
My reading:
4 h 41 min
